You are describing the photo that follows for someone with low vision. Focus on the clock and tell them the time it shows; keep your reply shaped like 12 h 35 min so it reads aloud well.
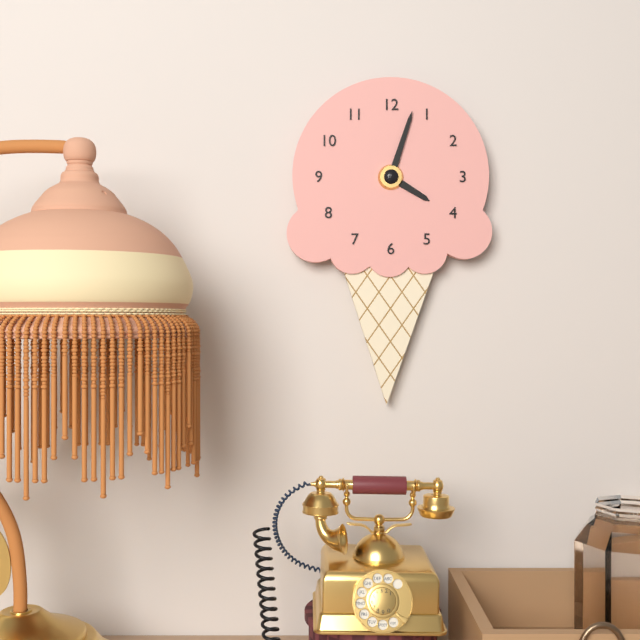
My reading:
4 h 03 min
